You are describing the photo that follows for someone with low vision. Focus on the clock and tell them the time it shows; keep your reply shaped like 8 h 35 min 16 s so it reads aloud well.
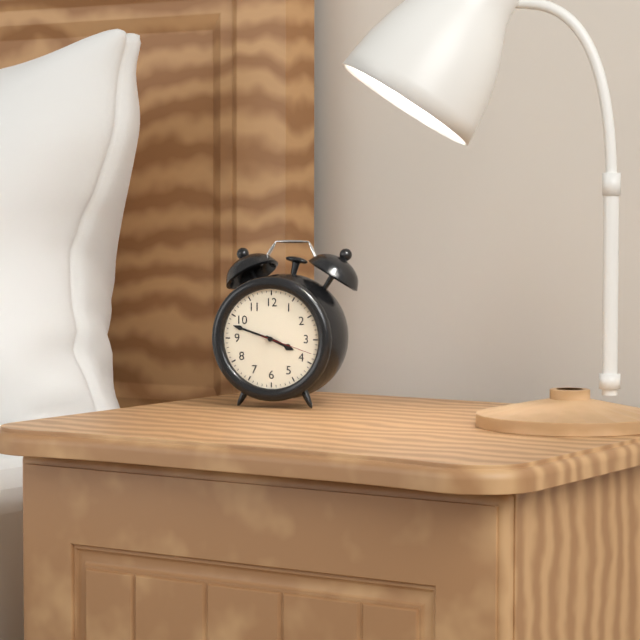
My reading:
3 h 48 min 18 s
